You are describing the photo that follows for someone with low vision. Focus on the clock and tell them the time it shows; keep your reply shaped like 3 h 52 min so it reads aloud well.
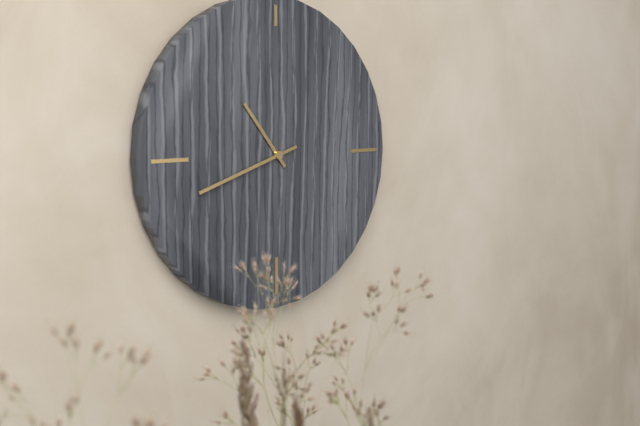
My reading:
10 h 42 min
